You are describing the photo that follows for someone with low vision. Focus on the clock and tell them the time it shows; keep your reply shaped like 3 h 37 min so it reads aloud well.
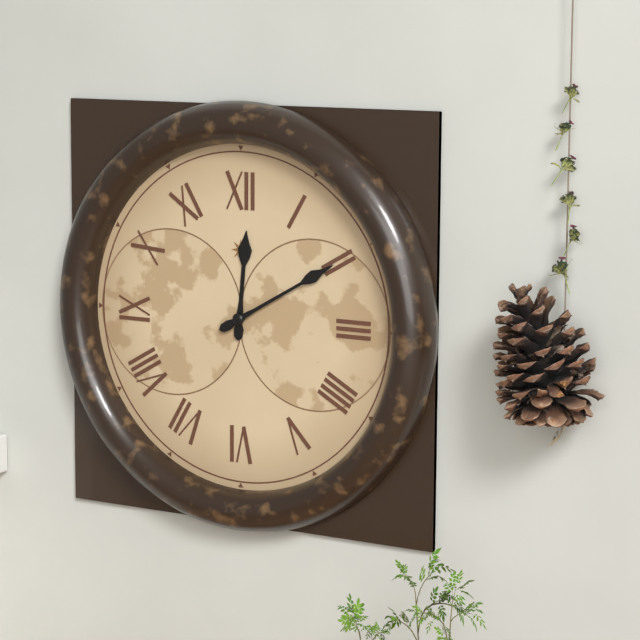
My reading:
12 h 10 min
